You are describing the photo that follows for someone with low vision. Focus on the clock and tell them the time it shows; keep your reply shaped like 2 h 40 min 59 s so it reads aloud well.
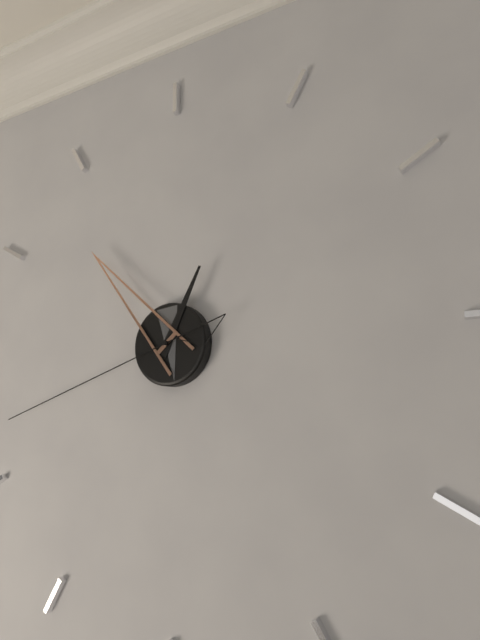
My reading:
12 h 53 min 42 s
